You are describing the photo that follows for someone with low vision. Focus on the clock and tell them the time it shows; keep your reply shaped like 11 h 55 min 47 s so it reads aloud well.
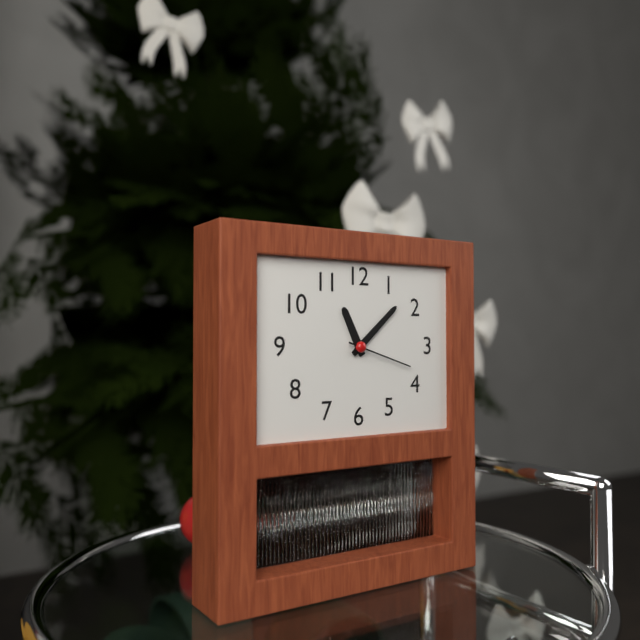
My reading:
11 h 08 min 18 s
